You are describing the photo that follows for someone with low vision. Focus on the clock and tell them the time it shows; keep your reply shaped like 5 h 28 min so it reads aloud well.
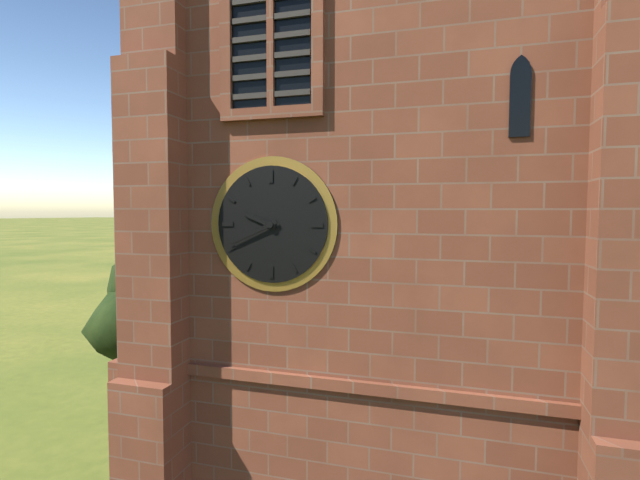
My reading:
9 h 41 min
